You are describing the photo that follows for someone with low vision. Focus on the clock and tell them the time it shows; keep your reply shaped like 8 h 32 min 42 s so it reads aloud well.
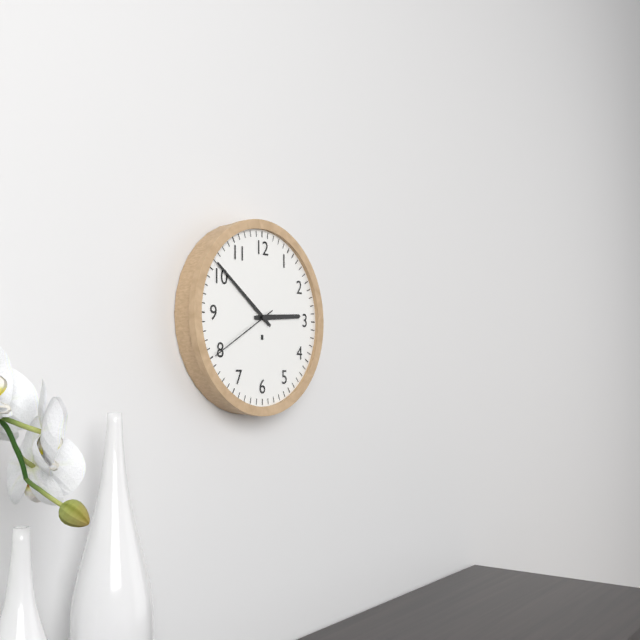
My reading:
2 h 51 min 40 s
